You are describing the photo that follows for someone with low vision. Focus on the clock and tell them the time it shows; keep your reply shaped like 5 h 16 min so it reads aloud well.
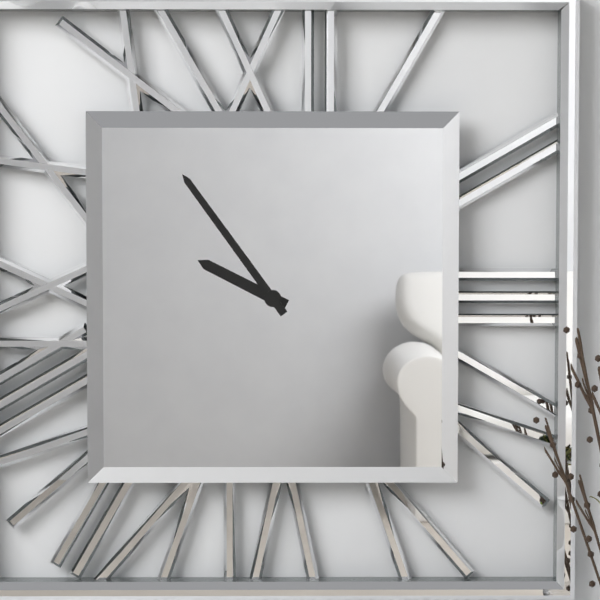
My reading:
9 h 54 min
